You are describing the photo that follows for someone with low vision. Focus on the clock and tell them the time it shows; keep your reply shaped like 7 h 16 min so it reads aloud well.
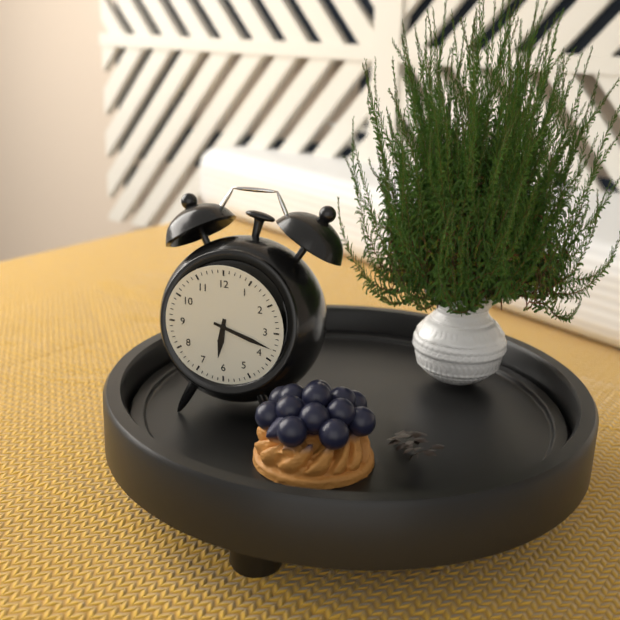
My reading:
6 h 18 min
